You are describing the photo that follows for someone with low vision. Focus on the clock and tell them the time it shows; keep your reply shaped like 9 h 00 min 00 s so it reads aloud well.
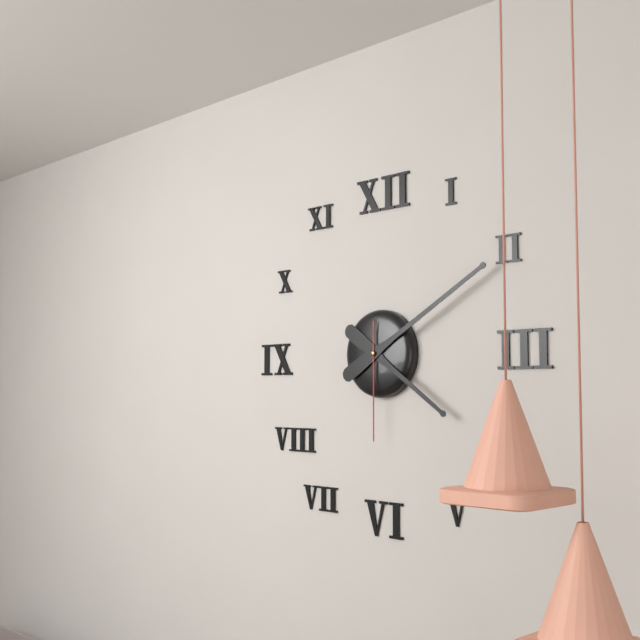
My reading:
4 h 10 min 30 s
